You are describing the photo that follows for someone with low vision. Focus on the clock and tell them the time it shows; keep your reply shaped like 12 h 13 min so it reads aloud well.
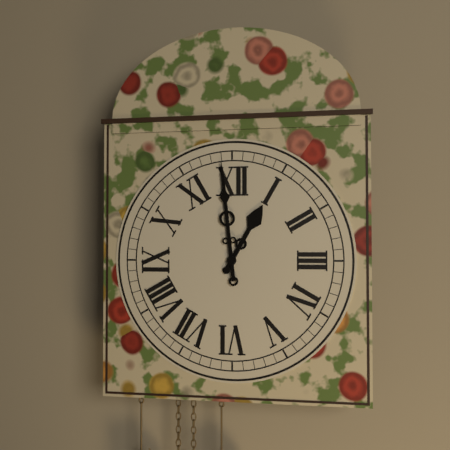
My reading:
12 h 59 min
